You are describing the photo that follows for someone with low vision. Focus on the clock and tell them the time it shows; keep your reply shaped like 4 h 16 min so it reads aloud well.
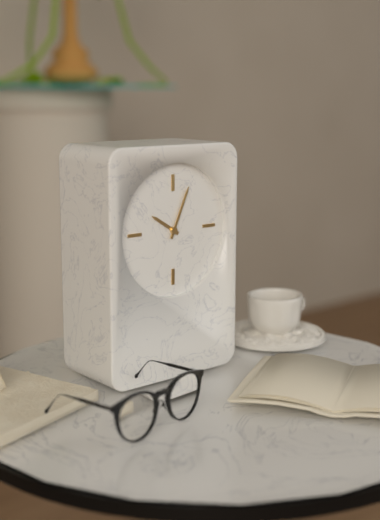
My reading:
10 h 04 min
